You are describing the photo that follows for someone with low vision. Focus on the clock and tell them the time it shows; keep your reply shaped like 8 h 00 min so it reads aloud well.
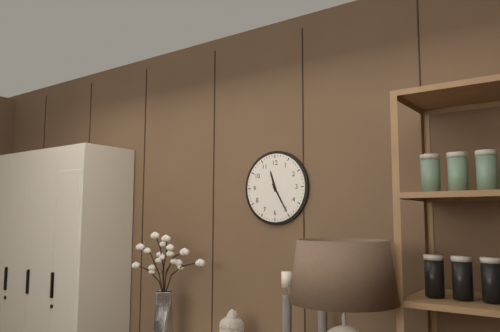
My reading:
11 h 25 min
